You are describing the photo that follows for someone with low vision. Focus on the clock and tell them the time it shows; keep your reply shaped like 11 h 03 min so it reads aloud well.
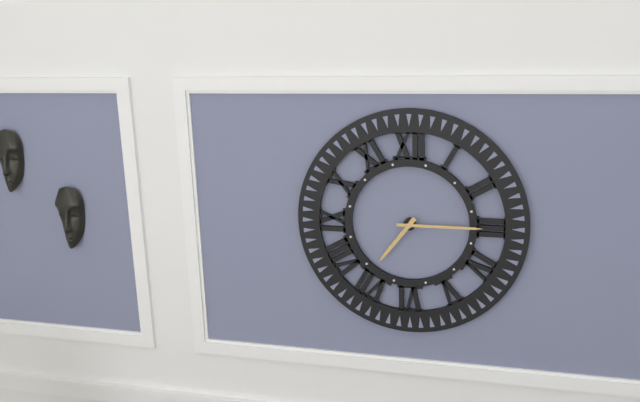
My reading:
7 h 15 min
